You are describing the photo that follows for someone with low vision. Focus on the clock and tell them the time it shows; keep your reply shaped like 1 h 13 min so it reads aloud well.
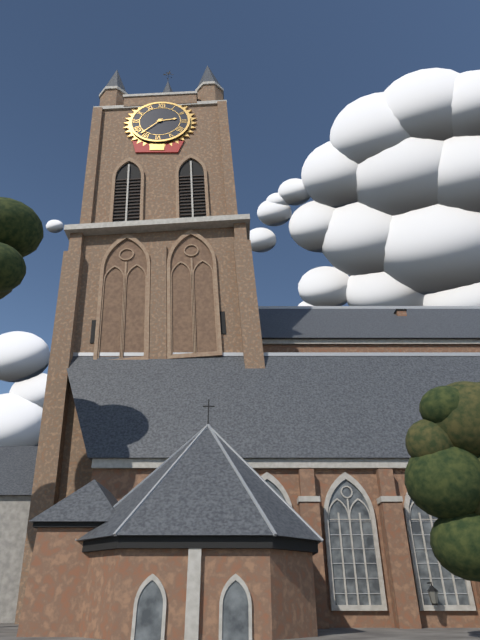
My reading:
2 h 37 min
